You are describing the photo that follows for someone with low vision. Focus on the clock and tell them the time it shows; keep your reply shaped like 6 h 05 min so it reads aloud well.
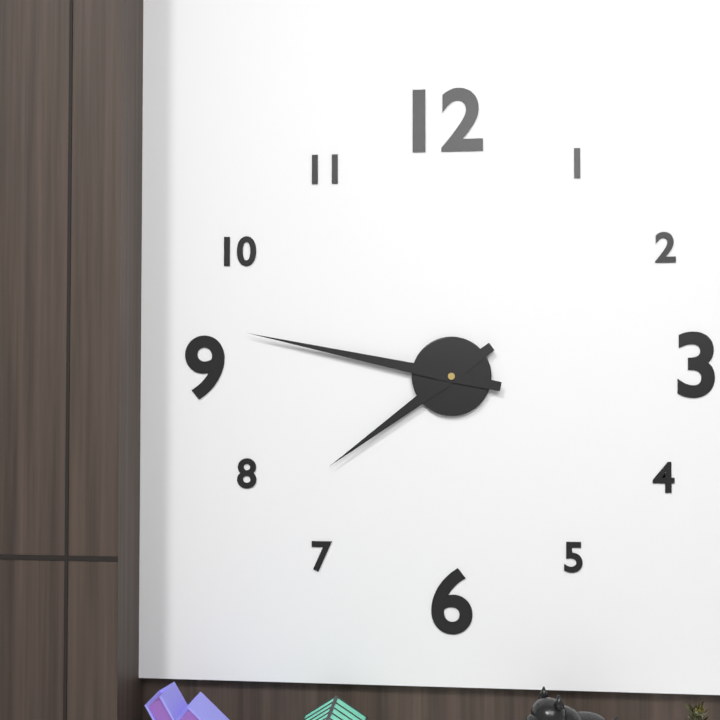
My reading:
7 h 47 min
